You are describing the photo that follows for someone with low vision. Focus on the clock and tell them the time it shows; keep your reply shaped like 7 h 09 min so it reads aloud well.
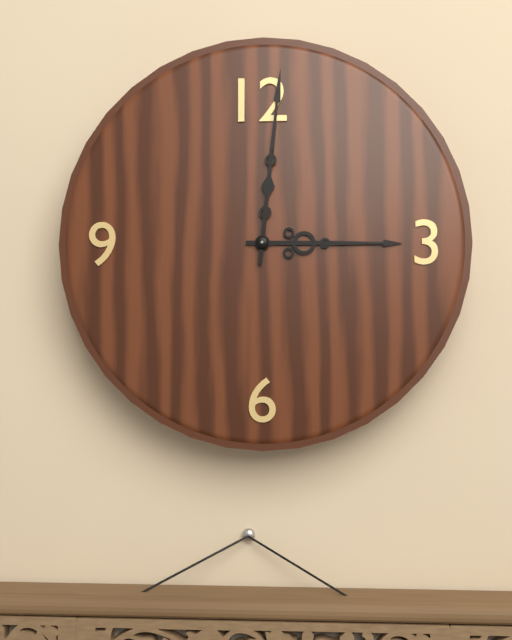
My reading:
3 h 01 min
